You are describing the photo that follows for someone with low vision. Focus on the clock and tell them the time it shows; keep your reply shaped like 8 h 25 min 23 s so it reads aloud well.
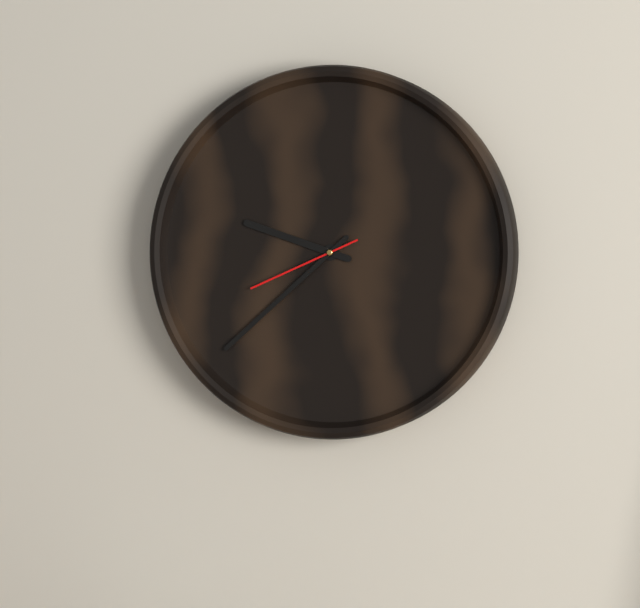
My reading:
9 h 38 min 41 s
